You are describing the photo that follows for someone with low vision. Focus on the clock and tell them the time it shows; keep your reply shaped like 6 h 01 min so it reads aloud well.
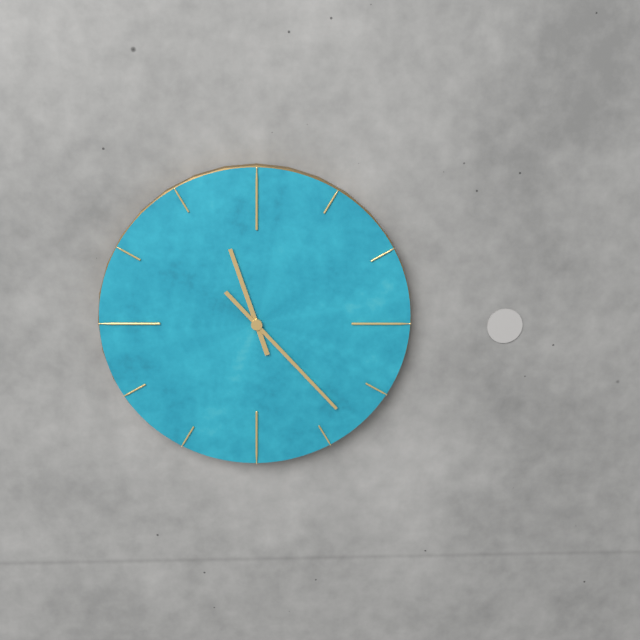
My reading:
11 h 23 min
